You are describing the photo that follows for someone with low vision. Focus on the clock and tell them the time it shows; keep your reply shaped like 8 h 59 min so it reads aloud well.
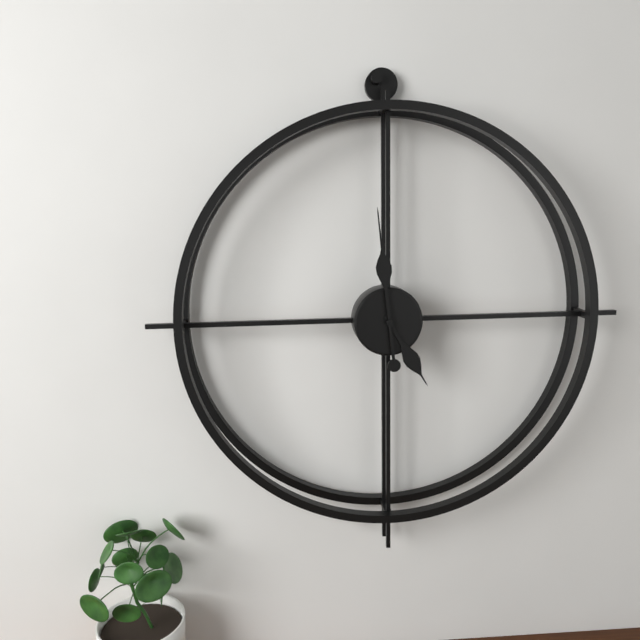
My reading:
4 h 59 min
